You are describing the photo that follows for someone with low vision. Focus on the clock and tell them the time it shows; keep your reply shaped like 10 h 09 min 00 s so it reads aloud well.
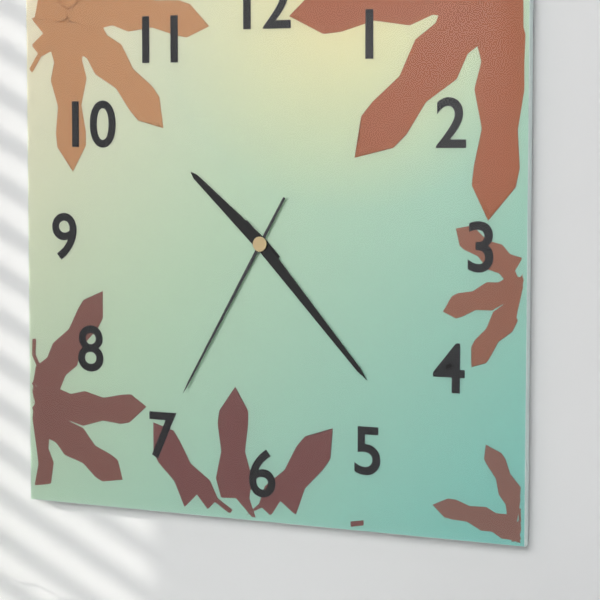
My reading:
10 h 23 min 35 s
